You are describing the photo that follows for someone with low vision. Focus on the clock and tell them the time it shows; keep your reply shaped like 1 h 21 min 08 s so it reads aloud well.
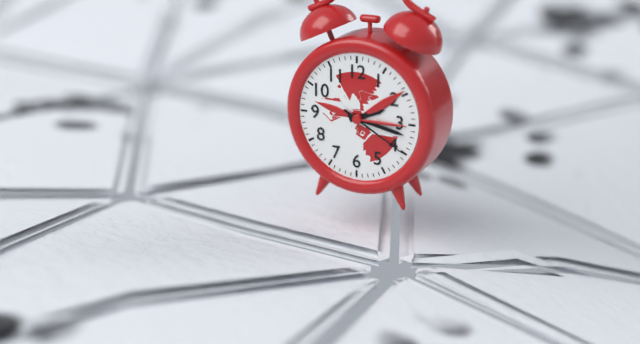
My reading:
2 h 17 min 20 s
